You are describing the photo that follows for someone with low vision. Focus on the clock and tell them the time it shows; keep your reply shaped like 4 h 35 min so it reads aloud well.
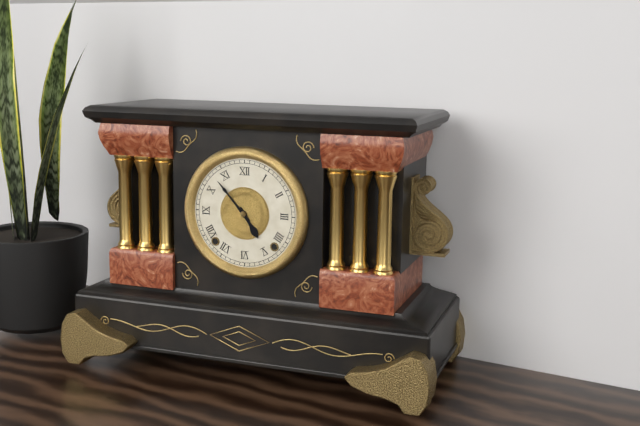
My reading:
4 h 53 min
